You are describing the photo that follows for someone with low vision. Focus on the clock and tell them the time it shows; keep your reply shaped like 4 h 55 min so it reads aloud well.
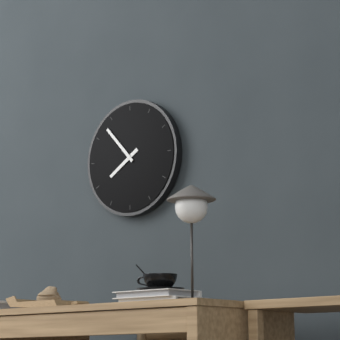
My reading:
7 h 53 min
